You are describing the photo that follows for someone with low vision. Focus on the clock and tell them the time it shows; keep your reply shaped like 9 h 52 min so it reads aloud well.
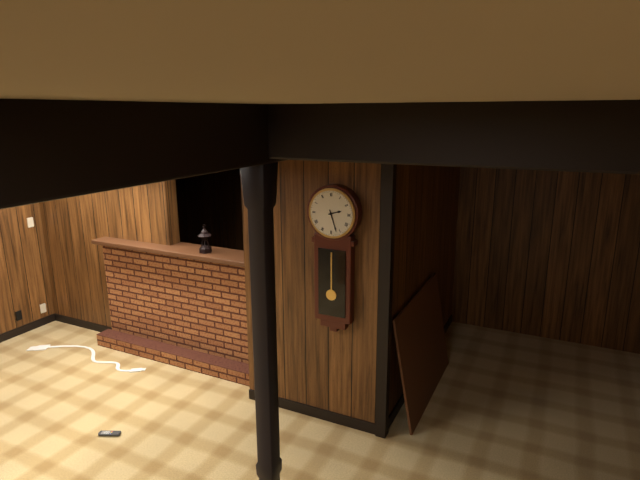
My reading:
2 h 27 min
